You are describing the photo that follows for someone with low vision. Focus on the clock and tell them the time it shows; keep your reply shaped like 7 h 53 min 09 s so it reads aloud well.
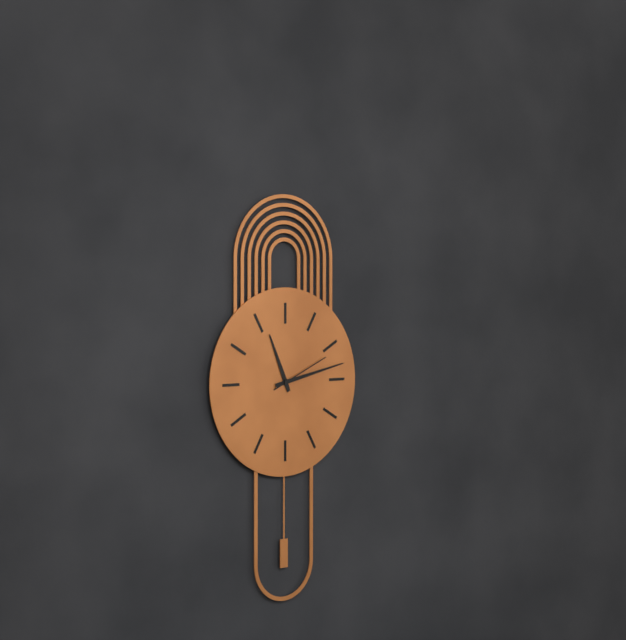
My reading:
11 h 13 min 11 s
